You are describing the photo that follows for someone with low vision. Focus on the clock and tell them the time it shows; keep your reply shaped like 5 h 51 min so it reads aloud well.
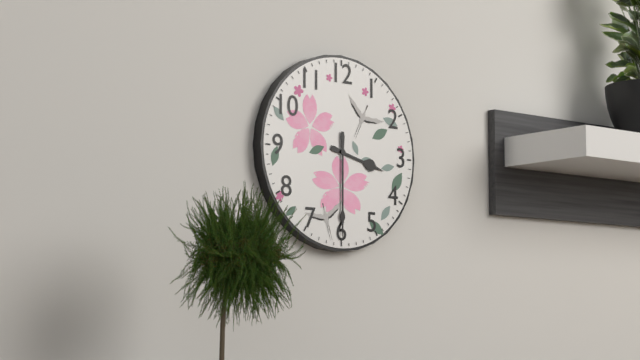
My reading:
3 h 30 min
